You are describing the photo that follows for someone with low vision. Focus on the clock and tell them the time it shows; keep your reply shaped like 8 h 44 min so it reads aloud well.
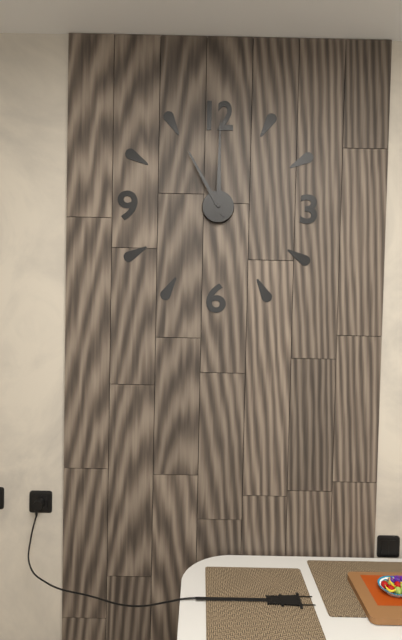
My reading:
11 h 00 min
